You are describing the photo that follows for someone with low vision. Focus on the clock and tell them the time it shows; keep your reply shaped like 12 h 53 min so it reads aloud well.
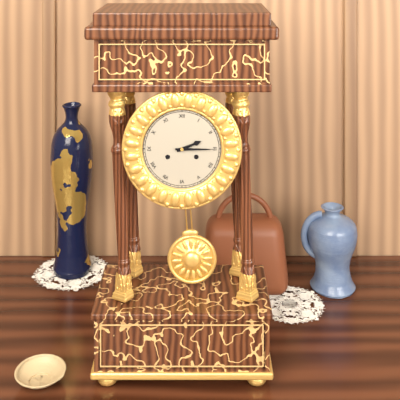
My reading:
2 h 15 min
